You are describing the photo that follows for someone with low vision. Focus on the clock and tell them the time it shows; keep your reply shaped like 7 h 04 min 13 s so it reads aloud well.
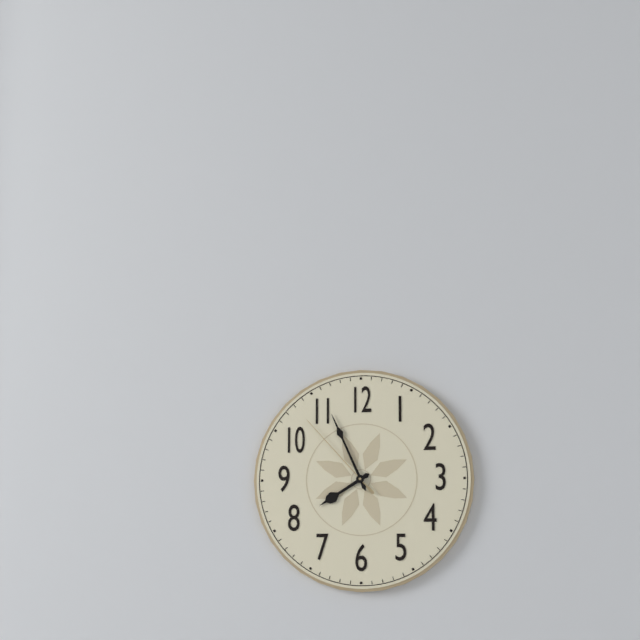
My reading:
7 h 56 min 53 s
